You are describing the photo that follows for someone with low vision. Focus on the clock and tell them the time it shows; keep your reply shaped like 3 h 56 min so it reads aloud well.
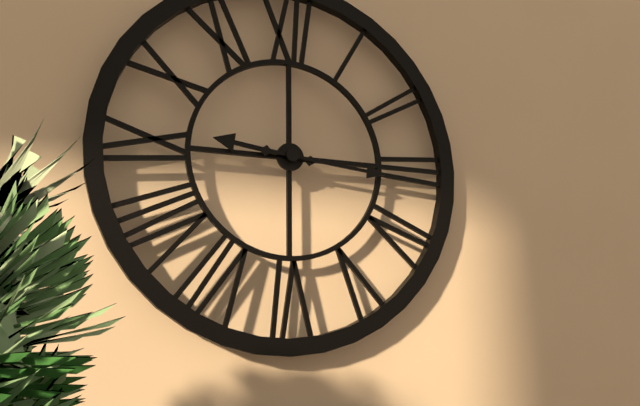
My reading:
9 h 16 min
